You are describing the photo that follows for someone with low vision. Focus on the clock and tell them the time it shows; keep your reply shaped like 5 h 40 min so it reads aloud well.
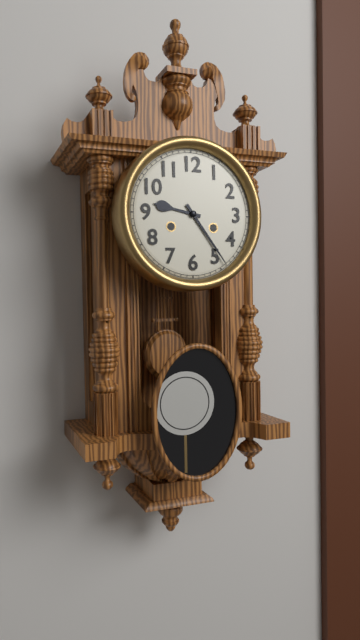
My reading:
9 h 24 min
